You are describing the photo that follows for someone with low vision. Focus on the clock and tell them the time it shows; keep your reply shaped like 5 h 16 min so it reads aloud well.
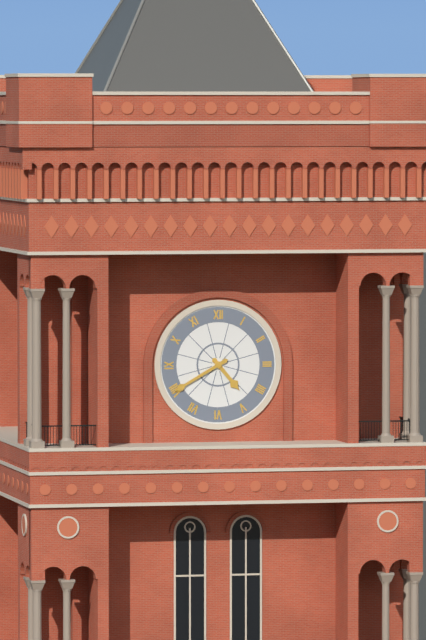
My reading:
4 h 40 min
